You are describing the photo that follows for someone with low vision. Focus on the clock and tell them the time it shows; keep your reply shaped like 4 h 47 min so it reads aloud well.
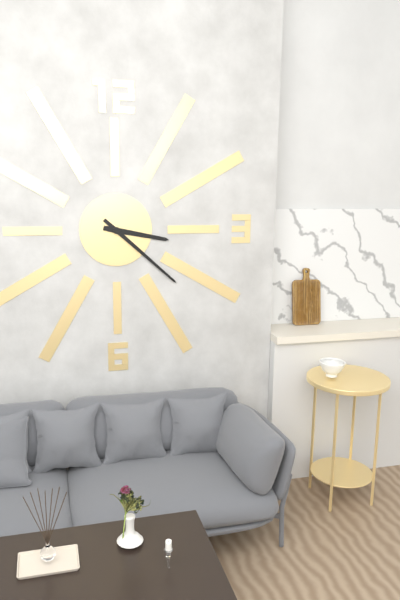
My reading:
3 h 22 min
